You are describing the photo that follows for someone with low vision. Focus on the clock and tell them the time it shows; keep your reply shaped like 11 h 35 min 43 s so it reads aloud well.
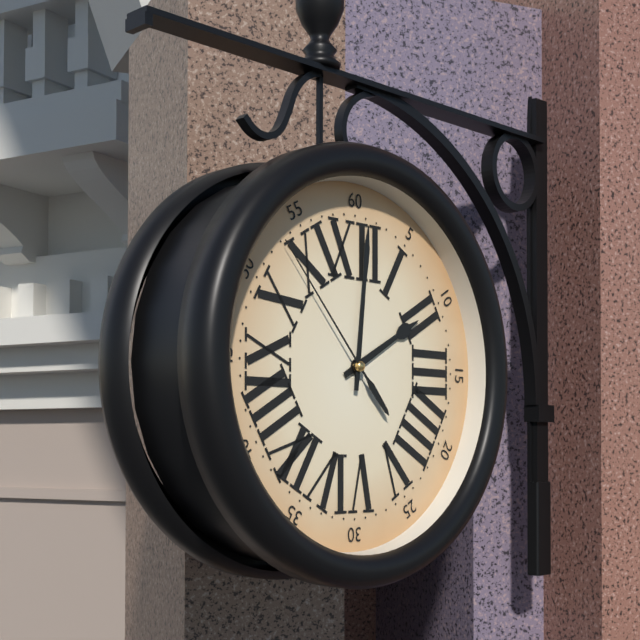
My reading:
2 h 01 min 53 s
